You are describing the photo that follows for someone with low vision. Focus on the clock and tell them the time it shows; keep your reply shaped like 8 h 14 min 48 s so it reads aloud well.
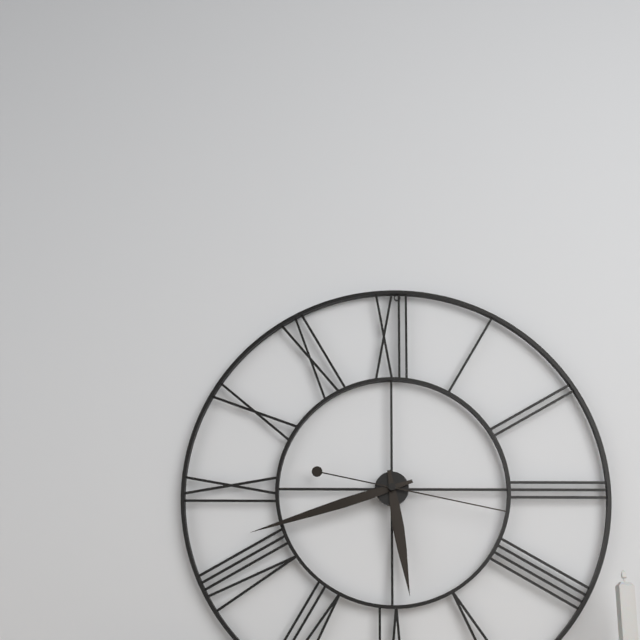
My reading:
5 h 42 min 17 s
